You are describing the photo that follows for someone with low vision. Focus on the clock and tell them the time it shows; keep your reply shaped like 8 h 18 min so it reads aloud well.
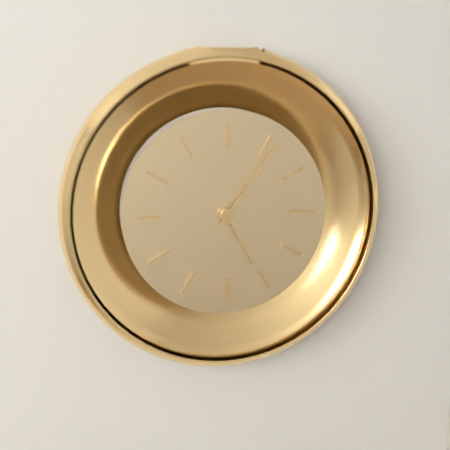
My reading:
5 h 06 min
